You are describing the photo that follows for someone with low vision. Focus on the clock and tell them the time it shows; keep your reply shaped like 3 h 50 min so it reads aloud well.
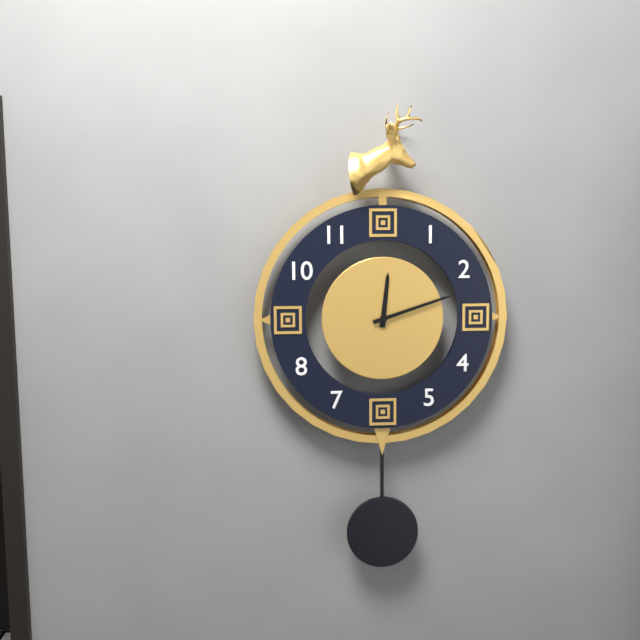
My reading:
12 h 12 min
